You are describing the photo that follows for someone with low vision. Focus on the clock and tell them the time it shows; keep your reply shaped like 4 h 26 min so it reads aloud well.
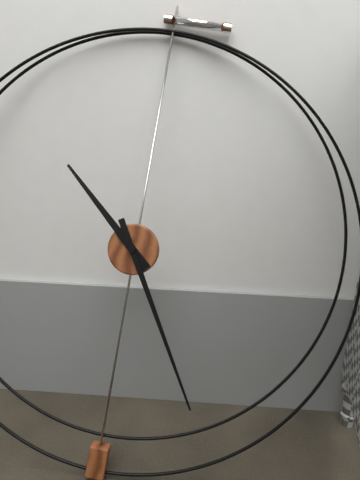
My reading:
10 h 25 min
